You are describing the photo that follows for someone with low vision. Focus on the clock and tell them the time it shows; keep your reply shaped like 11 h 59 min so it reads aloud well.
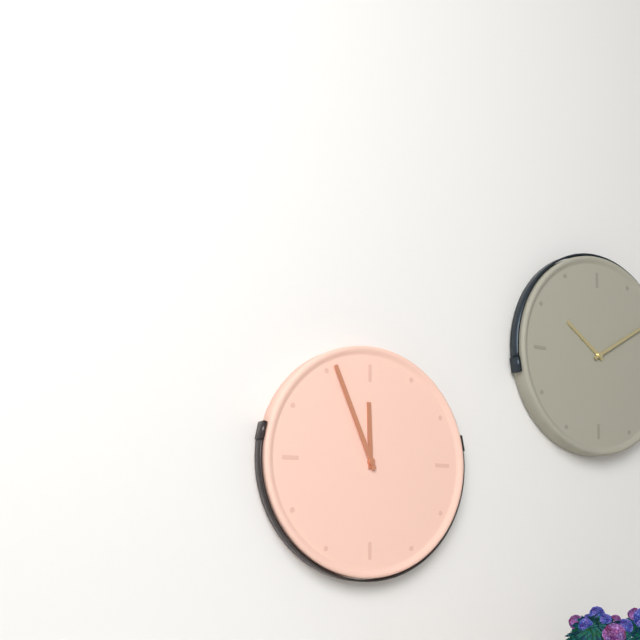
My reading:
11 h 56 min
